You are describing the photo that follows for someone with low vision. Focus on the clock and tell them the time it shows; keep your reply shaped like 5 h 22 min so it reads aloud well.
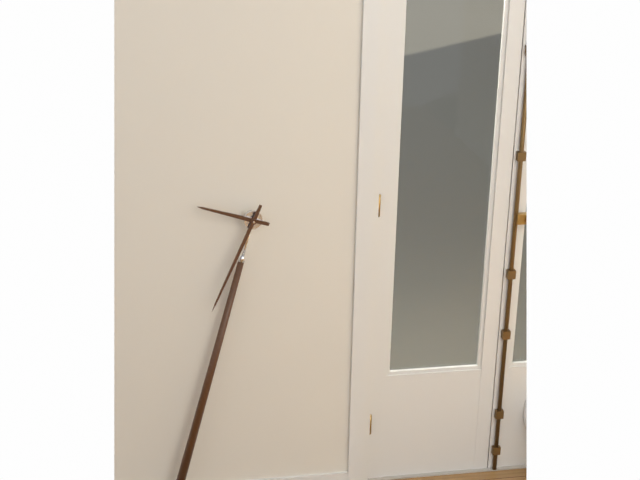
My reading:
9 h 34 min
